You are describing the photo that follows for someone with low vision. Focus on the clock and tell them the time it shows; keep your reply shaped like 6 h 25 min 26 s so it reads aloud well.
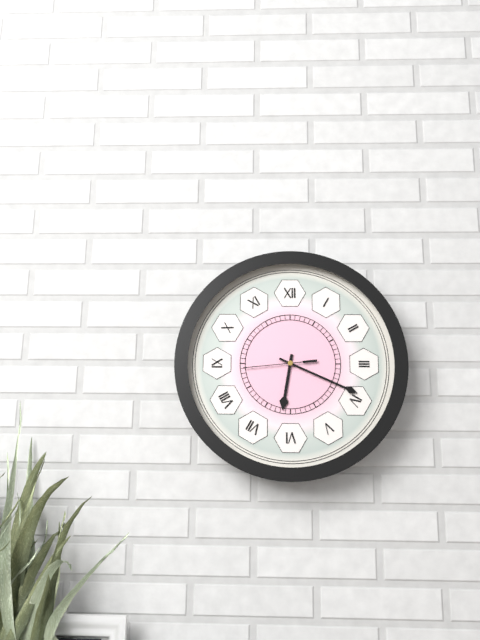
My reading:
6 h 19 min 44 s
